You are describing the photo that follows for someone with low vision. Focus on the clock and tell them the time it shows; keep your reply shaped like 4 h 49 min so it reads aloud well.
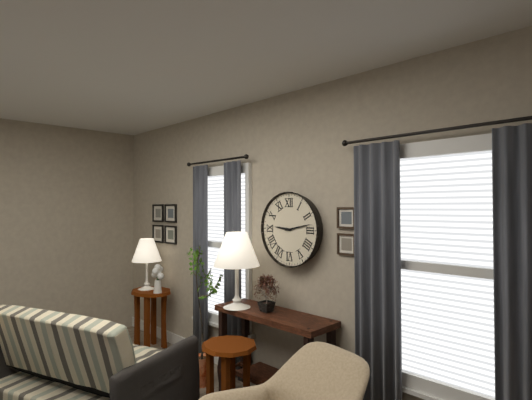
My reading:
9 h 13 min
